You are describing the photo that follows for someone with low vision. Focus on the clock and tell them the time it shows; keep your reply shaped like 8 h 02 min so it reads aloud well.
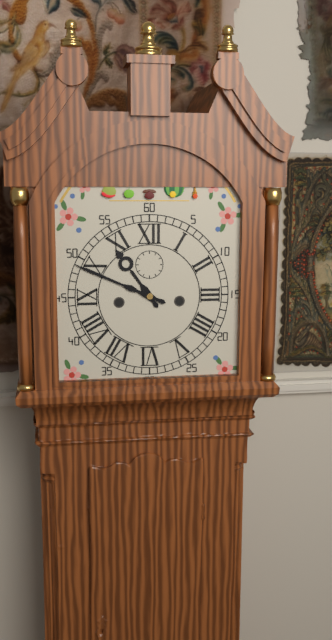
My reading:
10 h 49 min
